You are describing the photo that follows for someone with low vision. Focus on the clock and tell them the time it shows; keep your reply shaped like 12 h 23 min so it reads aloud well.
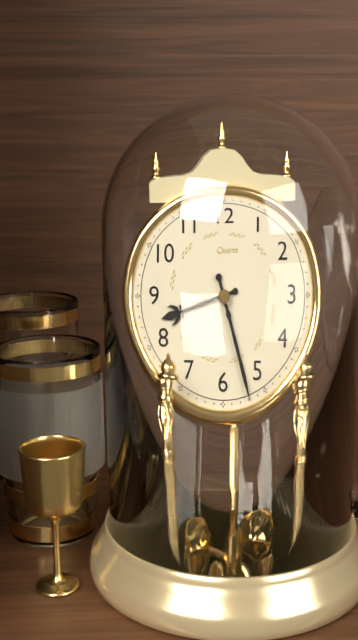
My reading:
8 h 27 min
